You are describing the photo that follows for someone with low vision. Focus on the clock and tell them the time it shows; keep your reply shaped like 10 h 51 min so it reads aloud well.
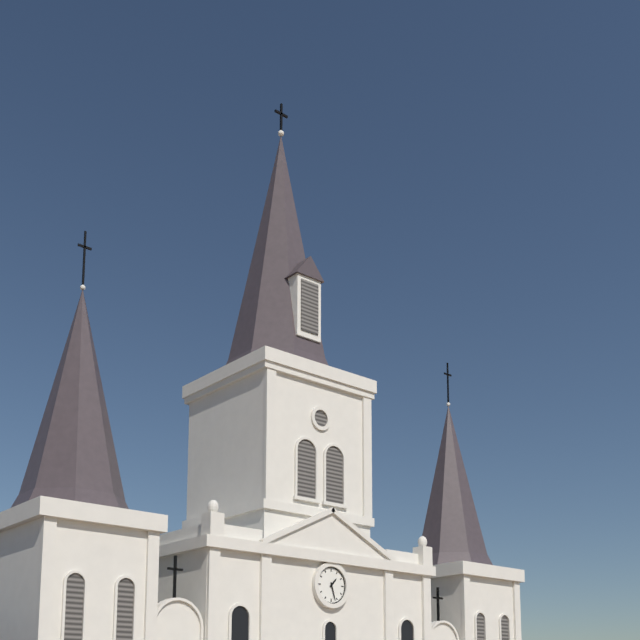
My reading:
1 h 27 min
